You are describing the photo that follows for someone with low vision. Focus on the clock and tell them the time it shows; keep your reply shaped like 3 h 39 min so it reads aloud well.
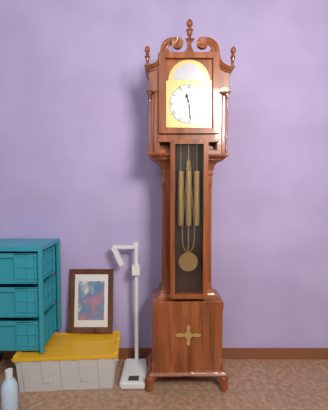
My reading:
11 h 29 min
